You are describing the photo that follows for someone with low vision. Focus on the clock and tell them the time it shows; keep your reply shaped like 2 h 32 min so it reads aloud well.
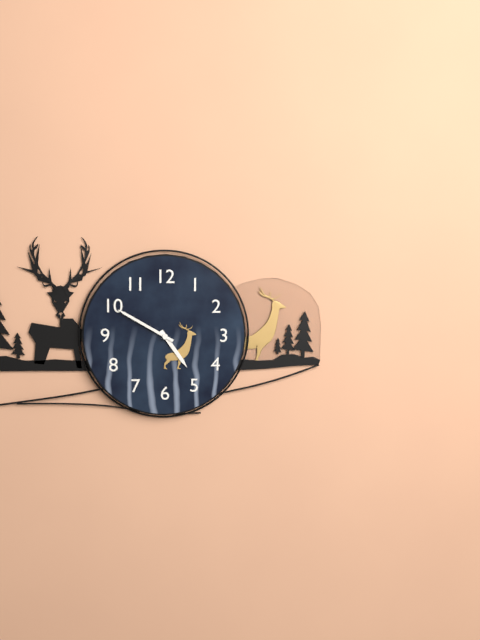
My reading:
4 h 50 min
